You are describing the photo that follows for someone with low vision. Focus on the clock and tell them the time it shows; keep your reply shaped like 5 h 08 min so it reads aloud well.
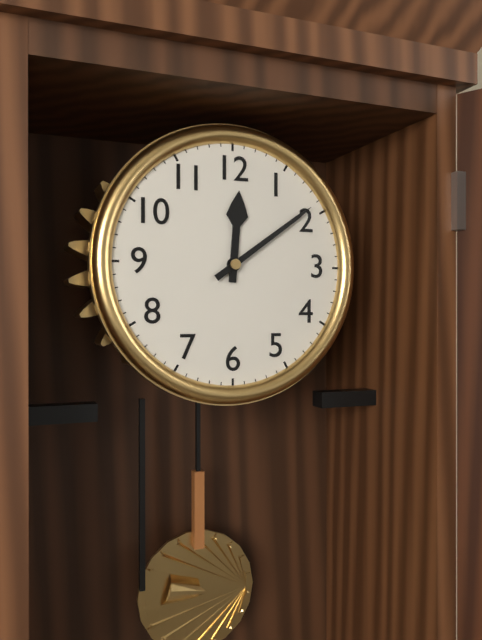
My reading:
12 h 09 min
